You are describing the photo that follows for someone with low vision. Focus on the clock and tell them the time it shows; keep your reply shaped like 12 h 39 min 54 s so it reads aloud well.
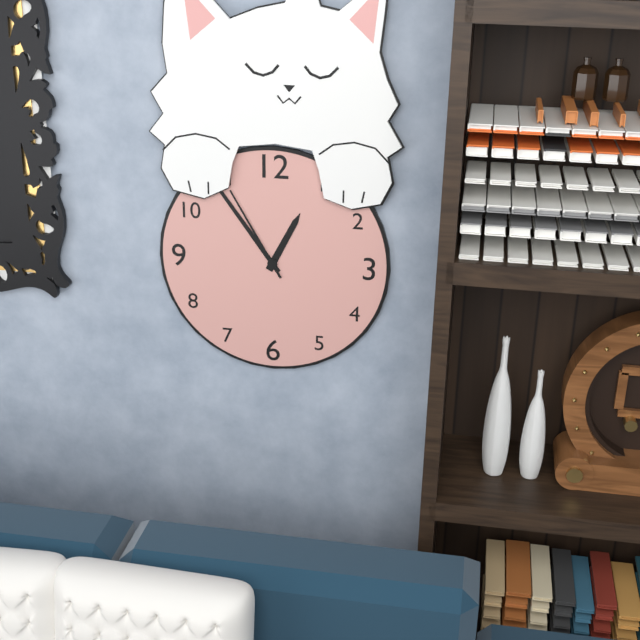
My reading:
12 h 54 min 55 s
